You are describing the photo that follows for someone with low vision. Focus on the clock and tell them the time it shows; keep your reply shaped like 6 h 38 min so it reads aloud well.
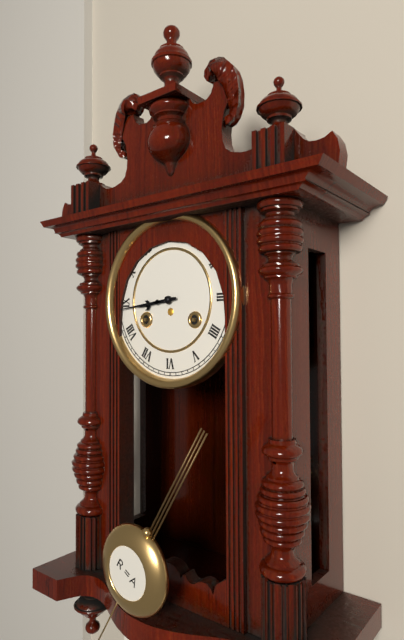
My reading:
8 h 44 min
